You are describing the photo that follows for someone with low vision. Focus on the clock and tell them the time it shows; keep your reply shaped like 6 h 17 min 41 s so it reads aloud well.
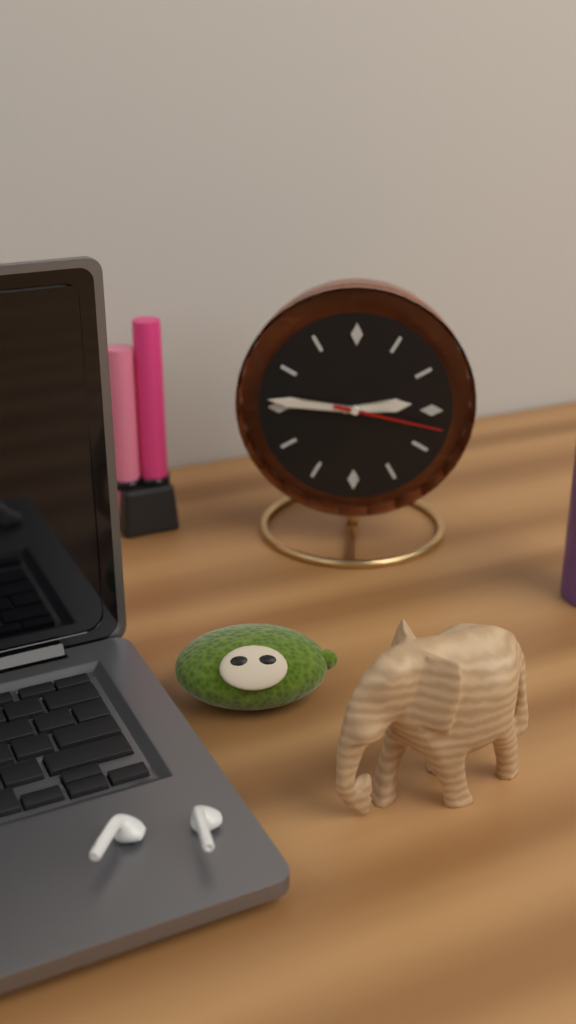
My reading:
2 h 46 min 17 s
